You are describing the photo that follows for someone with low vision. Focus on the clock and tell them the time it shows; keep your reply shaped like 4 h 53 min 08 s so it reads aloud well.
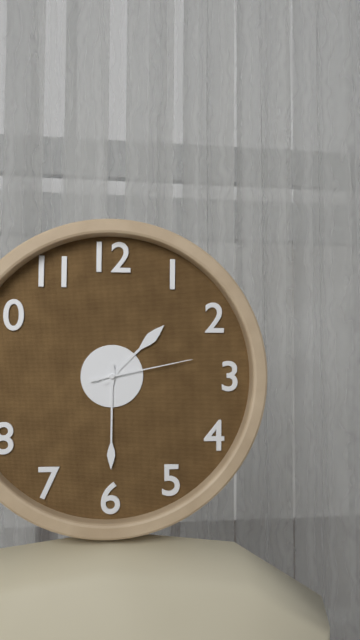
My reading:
1 h 30 min 13 s
